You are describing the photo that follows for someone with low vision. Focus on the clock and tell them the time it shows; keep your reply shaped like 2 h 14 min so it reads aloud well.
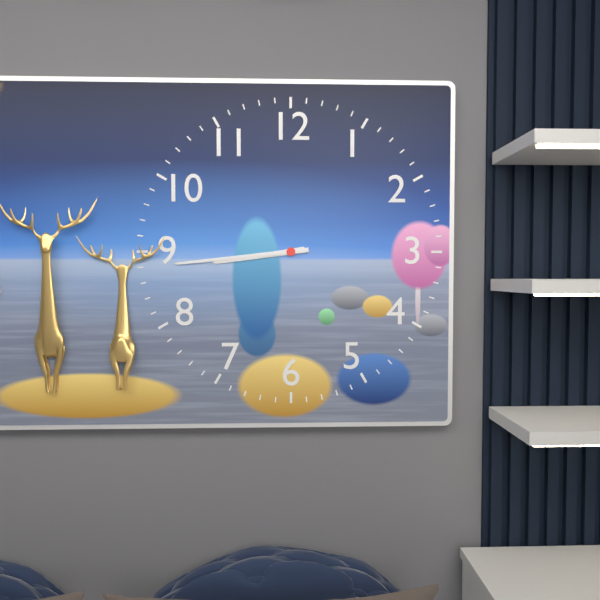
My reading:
8 h 44 min
